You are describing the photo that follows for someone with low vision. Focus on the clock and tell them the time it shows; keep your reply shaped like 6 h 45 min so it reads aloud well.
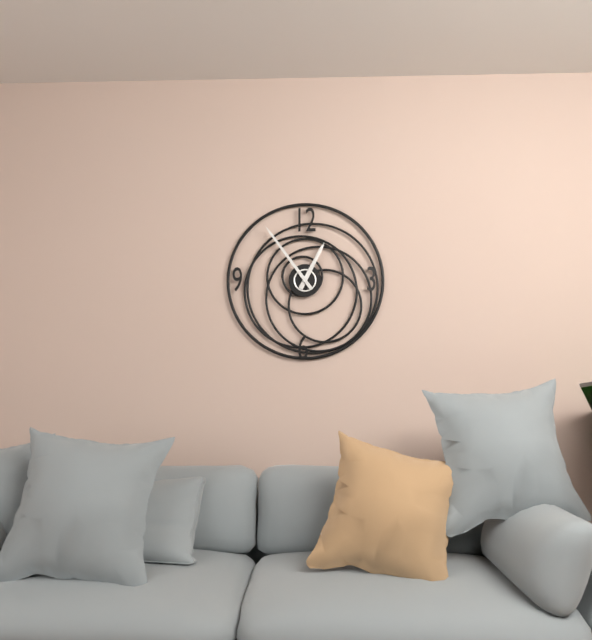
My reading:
12 h 54 min
